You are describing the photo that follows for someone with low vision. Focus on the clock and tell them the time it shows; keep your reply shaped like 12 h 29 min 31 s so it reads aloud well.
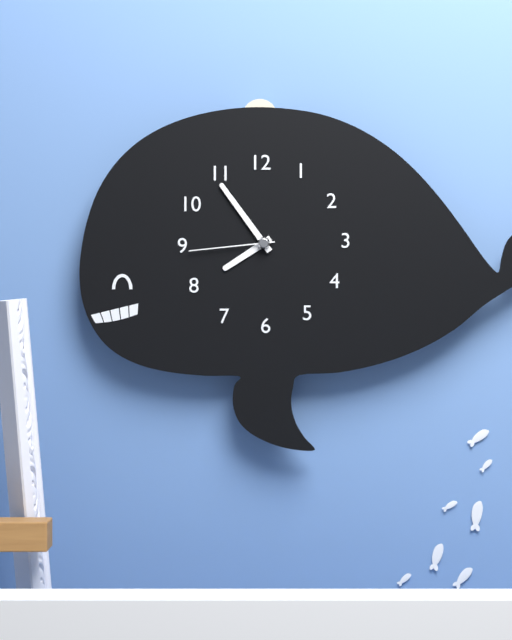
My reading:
7 h 54 min 44 s
